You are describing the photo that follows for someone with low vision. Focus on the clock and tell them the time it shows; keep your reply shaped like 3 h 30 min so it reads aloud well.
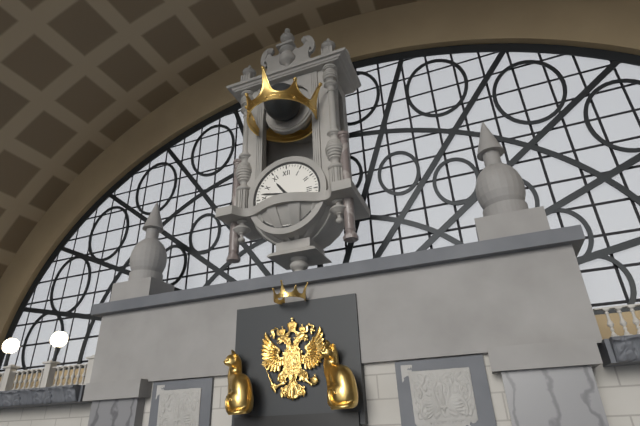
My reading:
10 h 47 min
